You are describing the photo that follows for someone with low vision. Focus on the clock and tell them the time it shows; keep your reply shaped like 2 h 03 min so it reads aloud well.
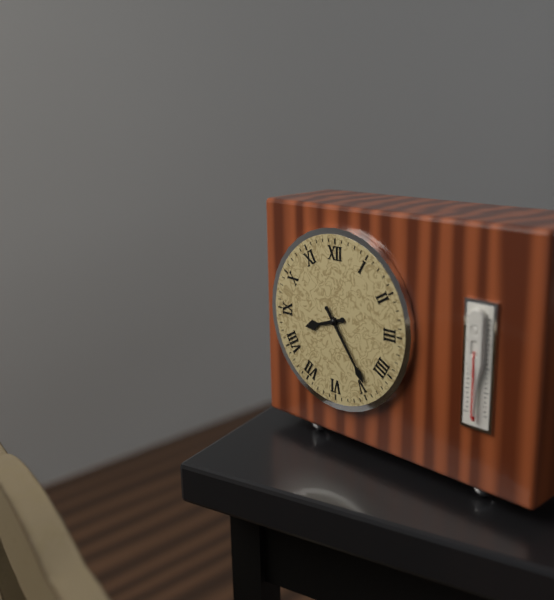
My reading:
8 h 24 min
